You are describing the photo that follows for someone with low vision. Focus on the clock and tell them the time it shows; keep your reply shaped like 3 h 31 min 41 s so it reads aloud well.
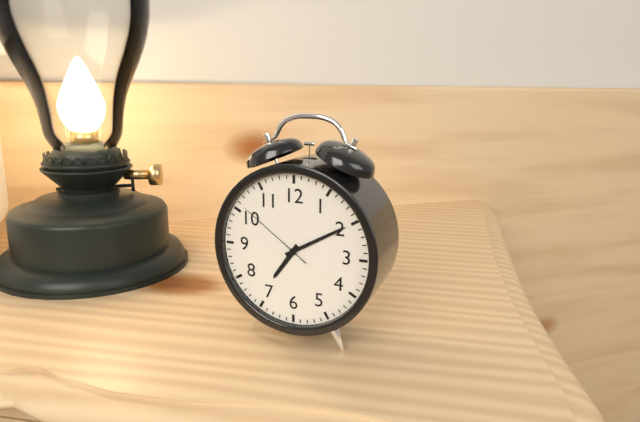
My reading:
7 h 10 min 51 s
